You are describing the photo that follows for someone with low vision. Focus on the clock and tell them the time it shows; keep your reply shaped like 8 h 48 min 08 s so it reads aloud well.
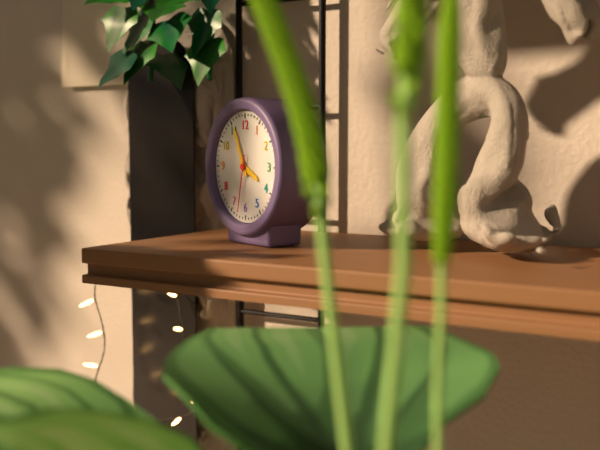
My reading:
3 h 56 min 32 s
